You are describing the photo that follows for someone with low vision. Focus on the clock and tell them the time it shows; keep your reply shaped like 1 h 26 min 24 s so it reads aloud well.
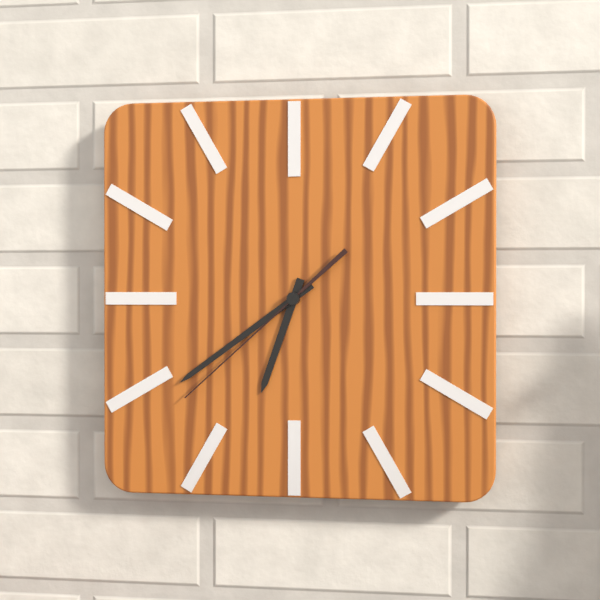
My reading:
6 h 39 min 38 s
